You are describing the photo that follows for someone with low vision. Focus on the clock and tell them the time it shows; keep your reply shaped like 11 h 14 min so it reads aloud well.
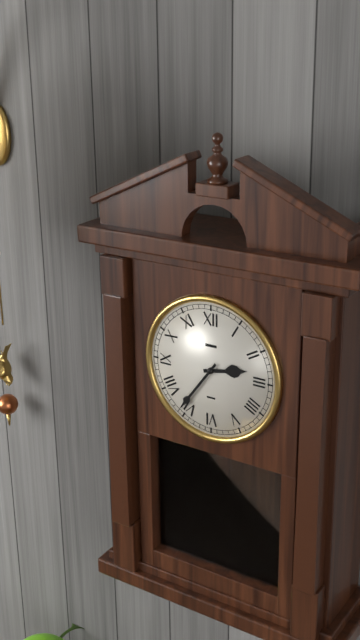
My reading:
2 h 36 min
